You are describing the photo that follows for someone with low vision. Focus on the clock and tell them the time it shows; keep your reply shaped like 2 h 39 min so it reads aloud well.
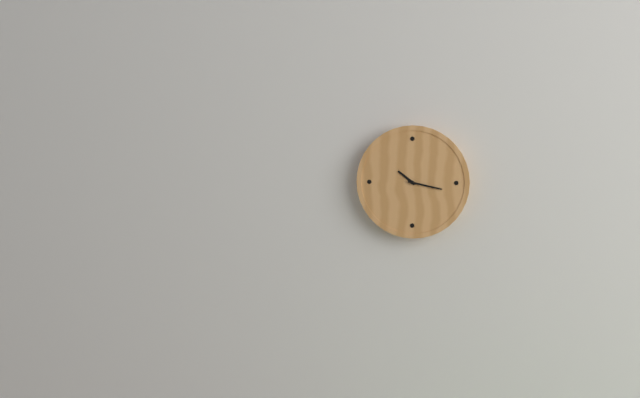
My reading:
10 h 17 min
